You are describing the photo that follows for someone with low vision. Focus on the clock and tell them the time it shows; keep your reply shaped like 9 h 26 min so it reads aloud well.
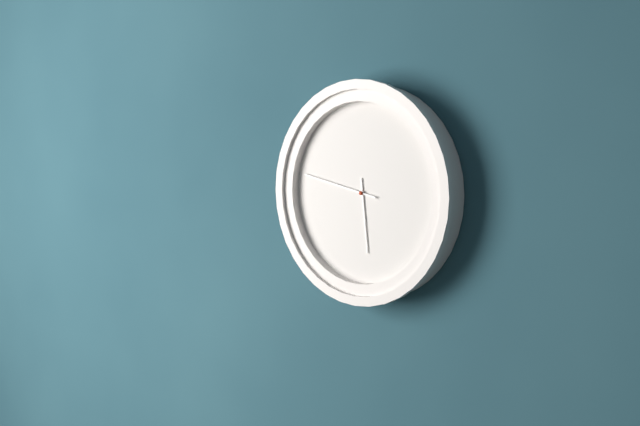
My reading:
5 h 47 min
